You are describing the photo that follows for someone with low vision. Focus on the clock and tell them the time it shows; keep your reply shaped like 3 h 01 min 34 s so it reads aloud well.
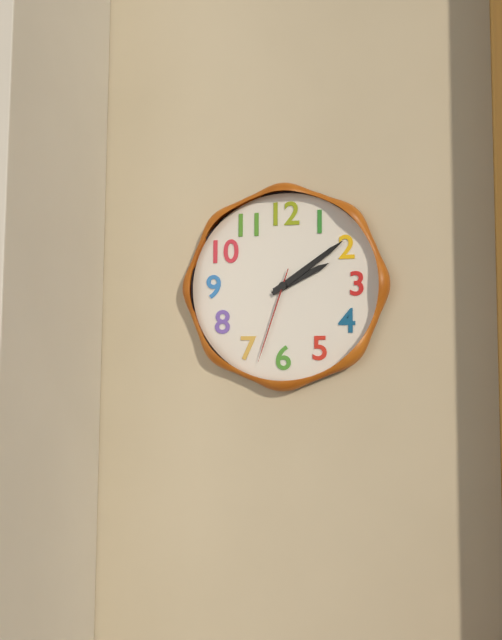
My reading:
2 h 09 min 33 s
